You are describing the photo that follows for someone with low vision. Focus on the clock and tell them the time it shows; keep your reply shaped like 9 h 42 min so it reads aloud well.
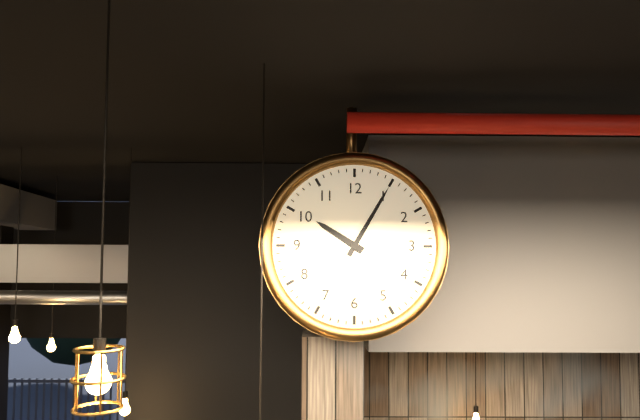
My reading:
10 h 05 min
